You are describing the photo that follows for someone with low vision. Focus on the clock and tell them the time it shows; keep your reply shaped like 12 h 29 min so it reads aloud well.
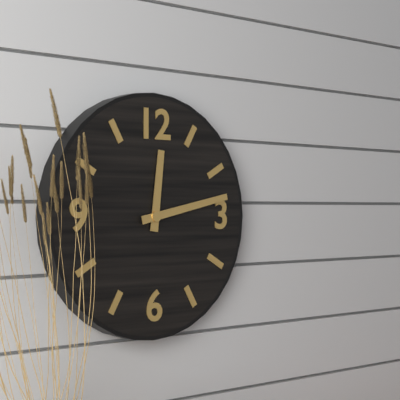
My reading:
12 h 13 min
